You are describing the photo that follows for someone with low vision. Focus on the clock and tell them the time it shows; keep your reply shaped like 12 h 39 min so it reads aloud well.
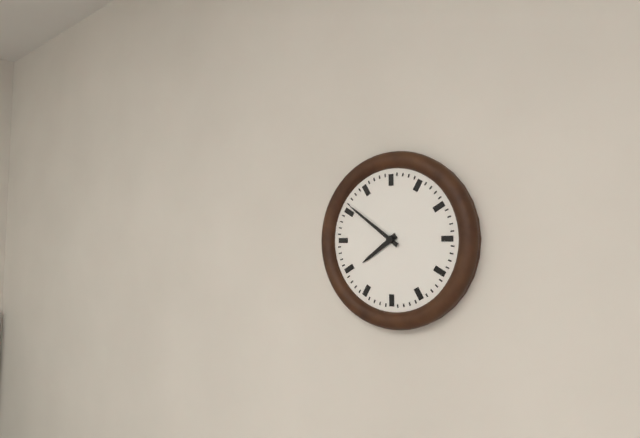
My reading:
7 h 51 min
